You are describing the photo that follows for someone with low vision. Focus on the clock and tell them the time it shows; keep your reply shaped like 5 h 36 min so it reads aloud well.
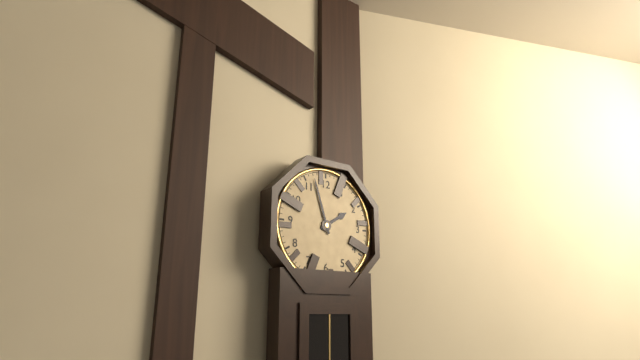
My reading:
1 h 57 min
